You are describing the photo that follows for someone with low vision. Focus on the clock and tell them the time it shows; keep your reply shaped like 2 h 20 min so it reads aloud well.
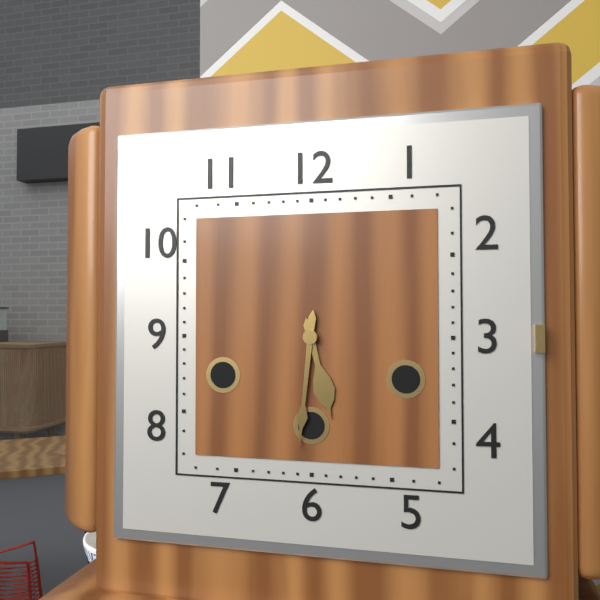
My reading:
5 h 31 min
